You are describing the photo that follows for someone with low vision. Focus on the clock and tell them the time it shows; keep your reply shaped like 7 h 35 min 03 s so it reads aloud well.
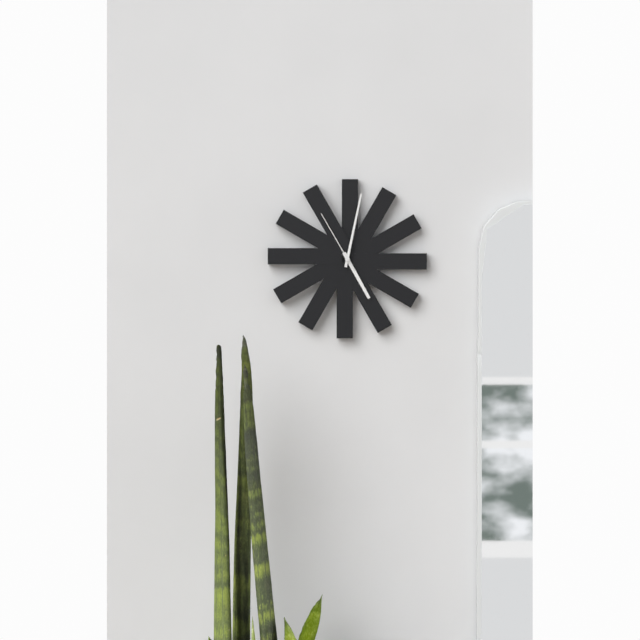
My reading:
5 h 02 min 55 s
